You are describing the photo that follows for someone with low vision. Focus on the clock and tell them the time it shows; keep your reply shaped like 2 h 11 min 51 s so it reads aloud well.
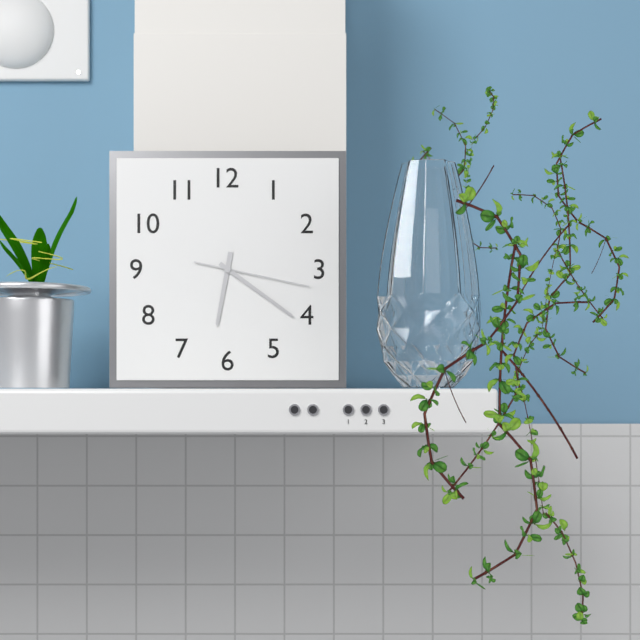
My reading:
6 h 21 min 17 s
